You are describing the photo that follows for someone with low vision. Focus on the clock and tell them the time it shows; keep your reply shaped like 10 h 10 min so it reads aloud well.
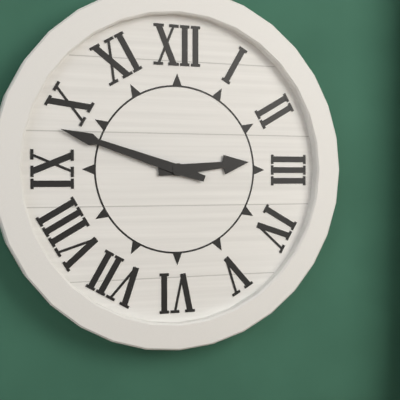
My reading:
2 h 48 min
